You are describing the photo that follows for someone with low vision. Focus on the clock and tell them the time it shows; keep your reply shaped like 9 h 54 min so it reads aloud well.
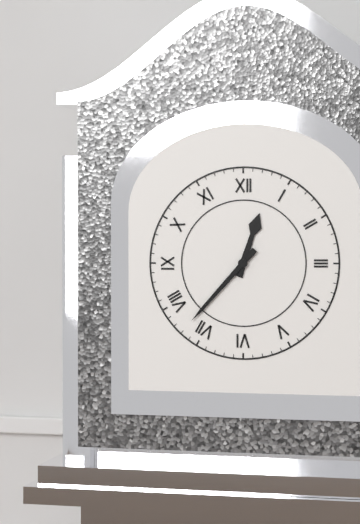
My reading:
12 h 37 min
